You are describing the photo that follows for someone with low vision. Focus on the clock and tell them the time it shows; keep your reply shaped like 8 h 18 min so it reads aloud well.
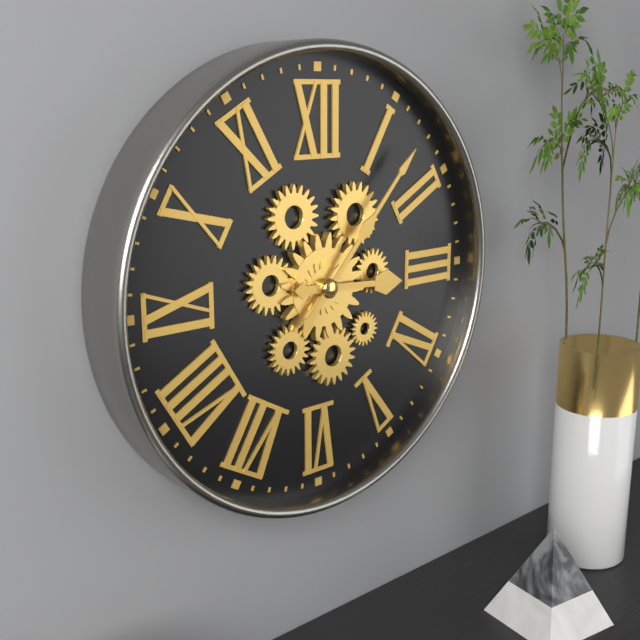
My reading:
3 h 07 min
